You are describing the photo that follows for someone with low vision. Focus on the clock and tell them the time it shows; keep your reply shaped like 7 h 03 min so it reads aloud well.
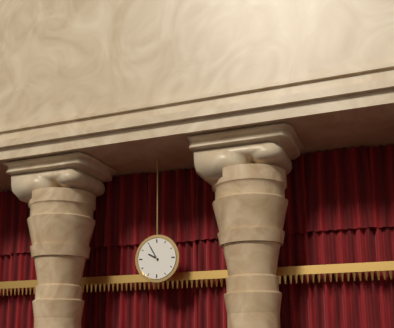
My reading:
9 h 55 min
